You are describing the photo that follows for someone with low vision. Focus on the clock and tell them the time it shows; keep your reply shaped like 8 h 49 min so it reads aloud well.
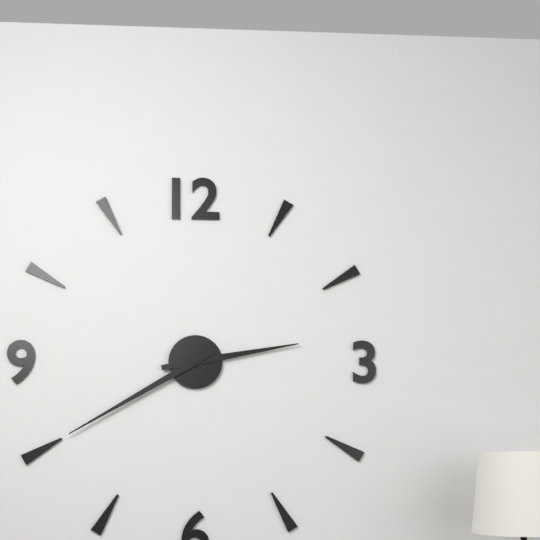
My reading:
2 h 40 min
